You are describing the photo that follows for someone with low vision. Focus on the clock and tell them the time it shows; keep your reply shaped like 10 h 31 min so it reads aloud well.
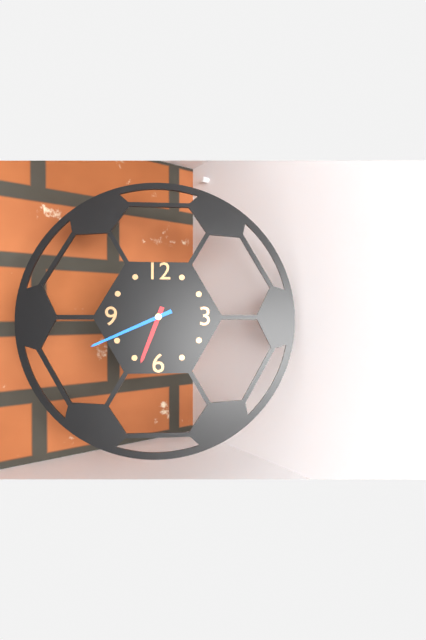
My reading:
6 h 41 min
